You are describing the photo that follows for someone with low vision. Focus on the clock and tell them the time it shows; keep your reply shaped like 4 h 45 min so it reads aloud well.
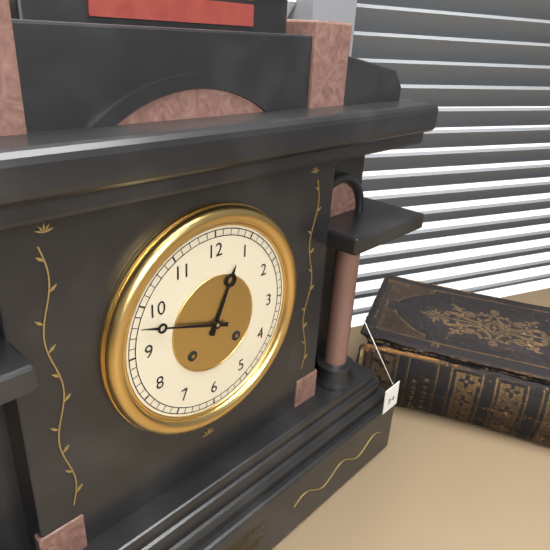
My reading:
12 h 48 min
